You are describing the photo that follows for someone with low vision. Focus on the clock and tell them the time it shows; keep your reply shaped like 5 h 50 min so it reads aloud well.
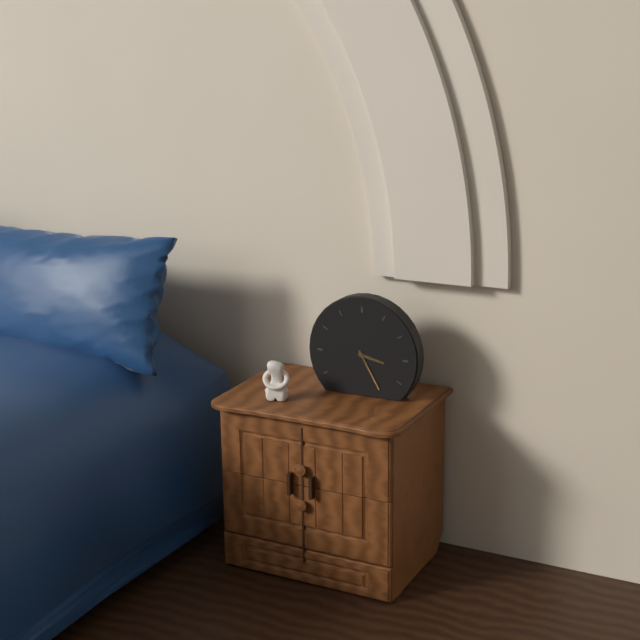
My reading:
3 h 25 min
